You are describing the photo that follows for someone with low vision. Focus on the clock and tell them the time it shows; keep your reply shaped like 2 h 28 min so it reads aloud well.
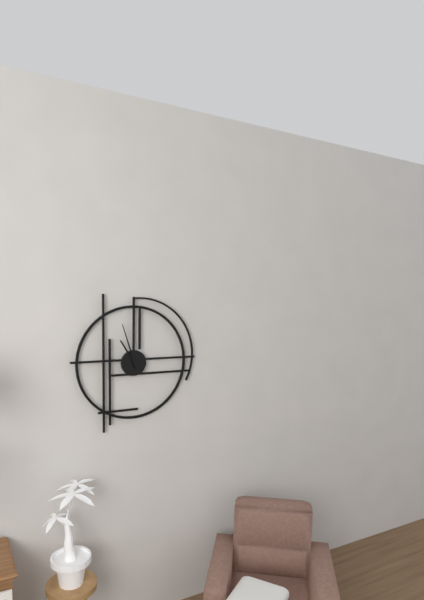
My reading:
10 h 57 min
